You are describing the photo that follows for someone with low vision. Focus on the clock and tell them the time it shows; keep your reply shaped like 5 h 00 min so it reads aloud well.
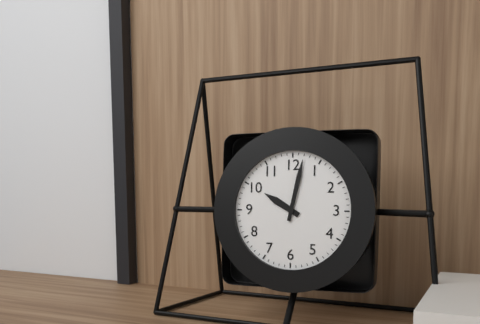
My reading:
10 h 02 min
